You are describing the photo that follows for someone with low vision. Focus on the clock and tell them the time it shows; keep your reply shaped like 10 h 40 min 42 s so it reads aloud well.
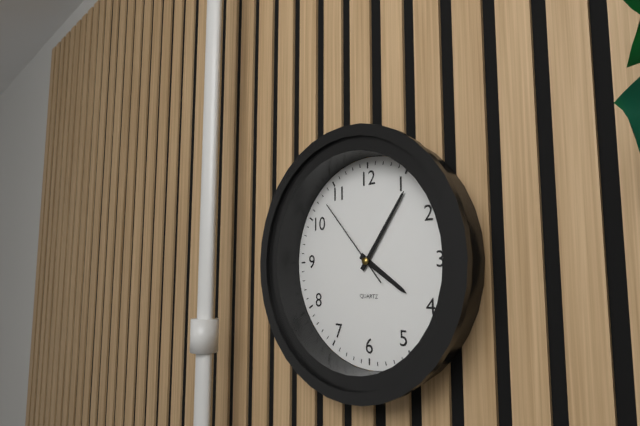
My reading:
4 h 06 min 53 s
